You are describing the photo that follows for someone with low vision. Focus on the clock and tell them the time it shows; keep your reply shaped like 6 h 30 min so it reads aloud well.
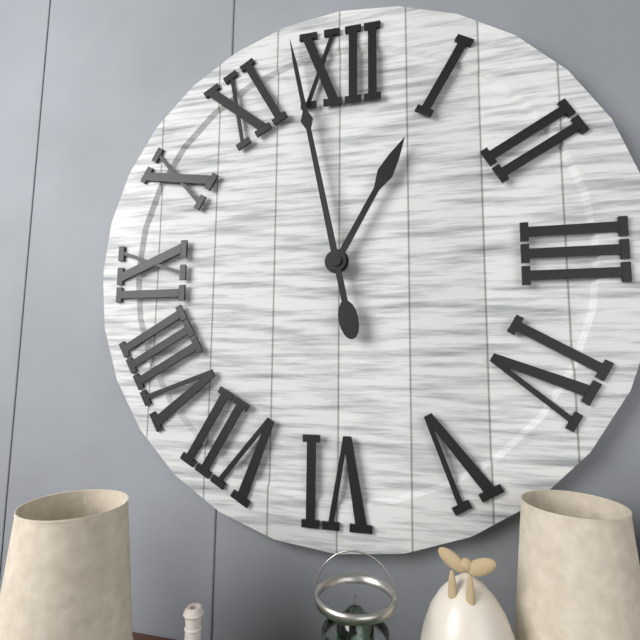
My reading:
12 h 58 min
